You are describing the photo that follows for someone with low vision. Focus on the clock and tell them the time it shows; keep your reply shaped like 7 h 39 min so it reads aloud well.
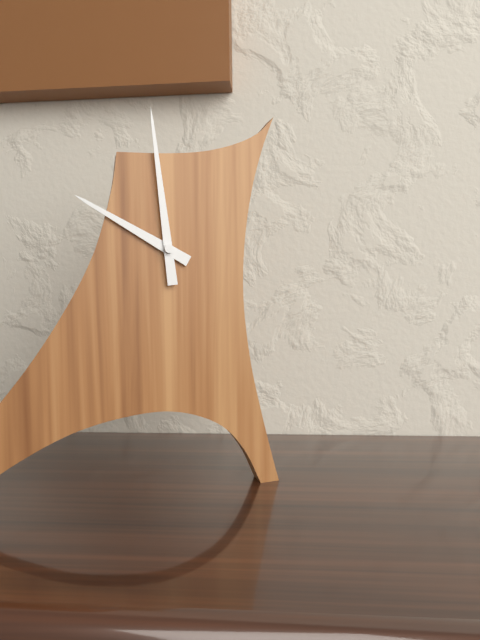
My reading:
9 h 59 min
